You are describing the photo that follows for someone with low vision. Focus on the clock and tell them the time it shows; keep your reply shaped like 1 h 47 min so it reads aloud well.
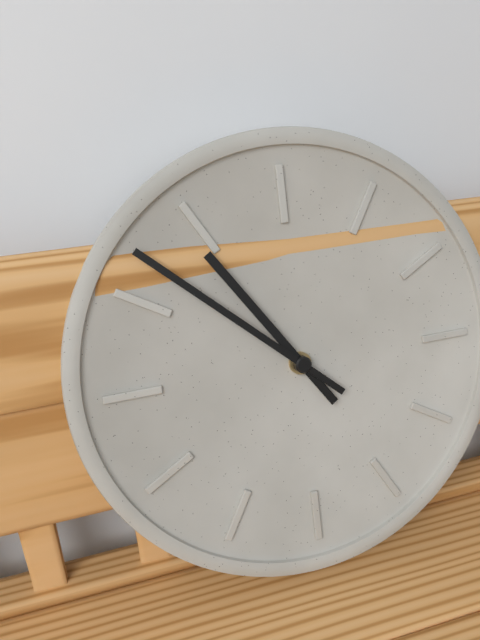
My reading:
10 h 52 min
